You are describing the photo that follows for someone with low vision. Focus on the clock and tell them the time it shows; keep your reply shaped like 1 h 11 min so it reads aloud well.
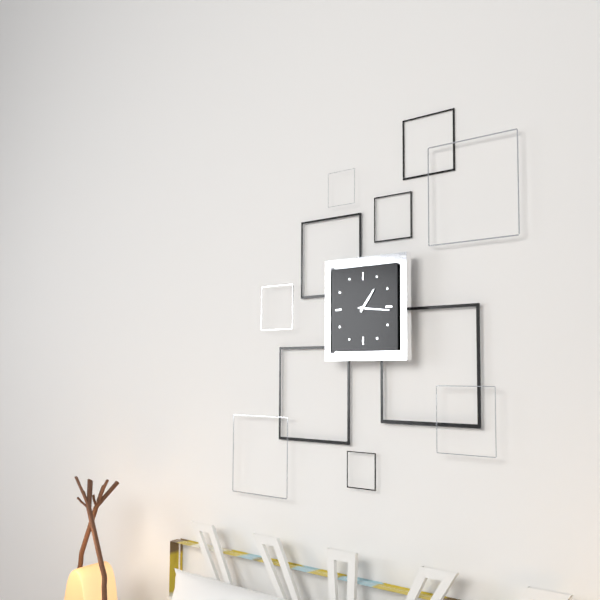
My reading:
1 h 16 min
